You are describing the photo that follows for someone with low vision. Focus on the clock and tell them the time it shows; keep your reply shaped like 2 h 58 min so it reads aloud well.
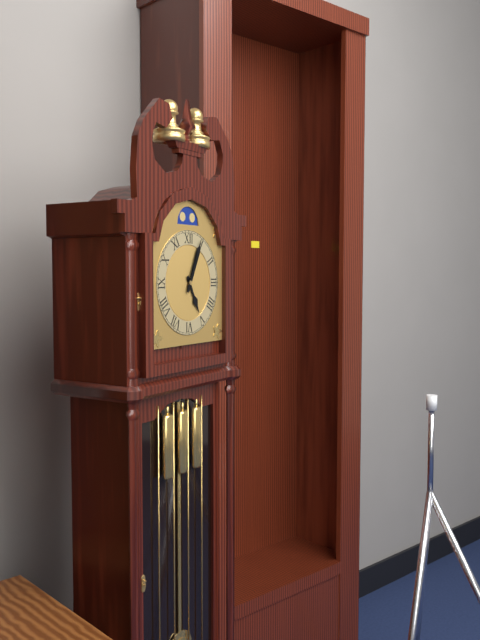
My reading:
5 h 04 min
